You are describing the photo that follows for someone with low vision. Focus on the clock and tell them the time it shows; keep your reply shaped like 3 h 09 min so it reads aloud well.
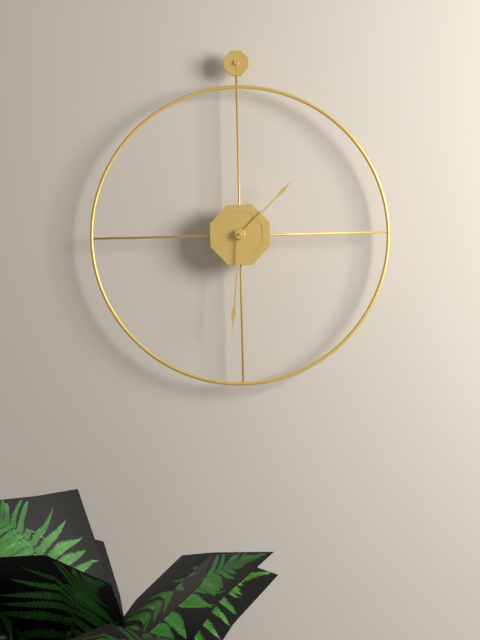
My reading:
1 h 31 min
